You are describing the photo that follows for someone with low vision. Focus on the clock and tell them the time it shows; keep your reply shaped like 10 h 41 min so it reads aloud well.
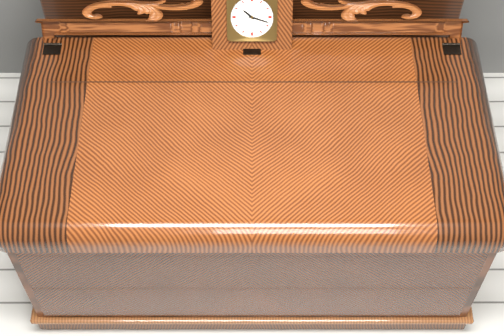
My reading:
10 h 18 min
